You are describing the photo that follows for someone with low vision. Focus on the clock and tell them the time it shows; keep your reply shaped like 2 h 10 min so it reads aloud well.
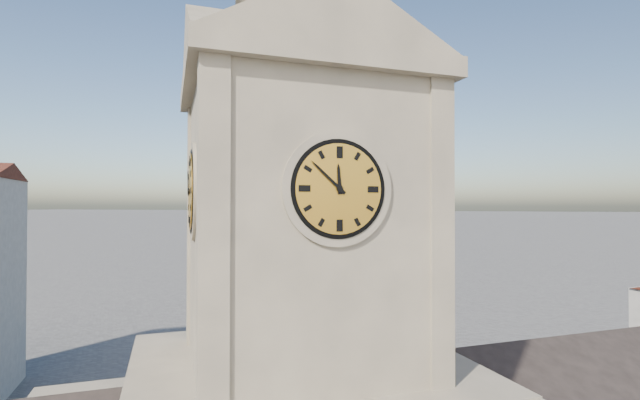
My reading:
11 h 52 min
